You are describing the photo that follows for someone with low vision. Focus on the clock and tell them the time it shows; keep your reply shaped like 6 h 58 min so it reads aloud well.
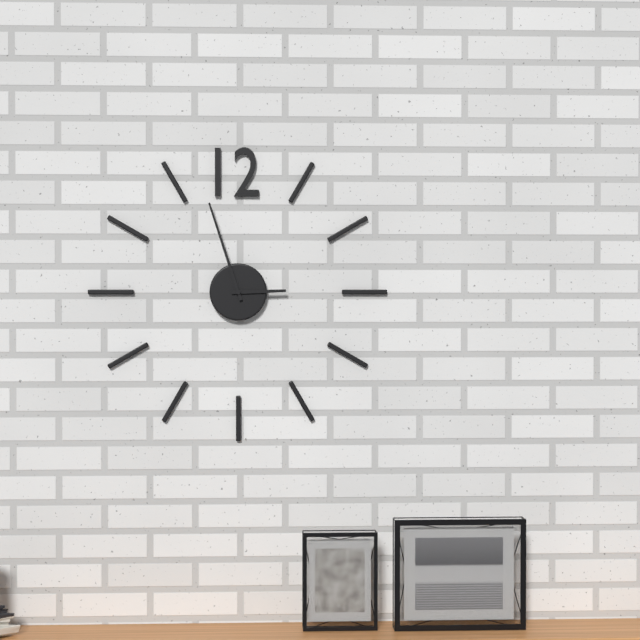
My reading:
2 h 57 min
